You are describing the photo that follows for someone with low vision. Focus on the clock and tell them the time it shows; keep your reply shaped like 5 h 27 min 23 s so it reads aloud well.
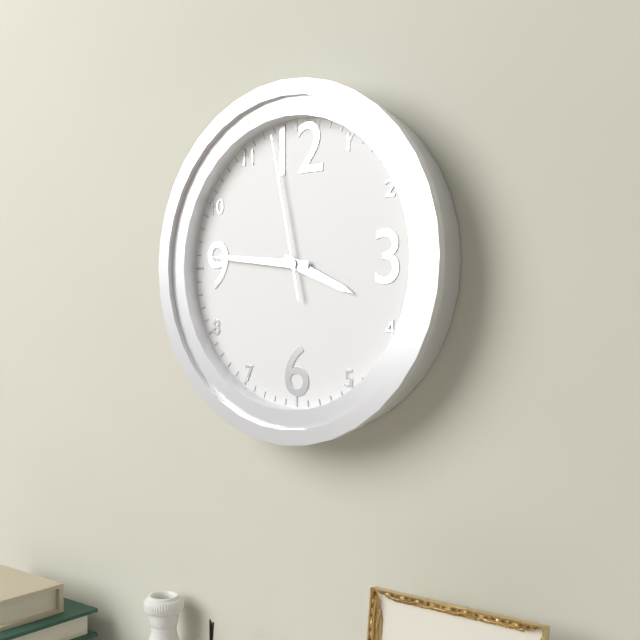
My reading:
3 h 46 min 58 s
